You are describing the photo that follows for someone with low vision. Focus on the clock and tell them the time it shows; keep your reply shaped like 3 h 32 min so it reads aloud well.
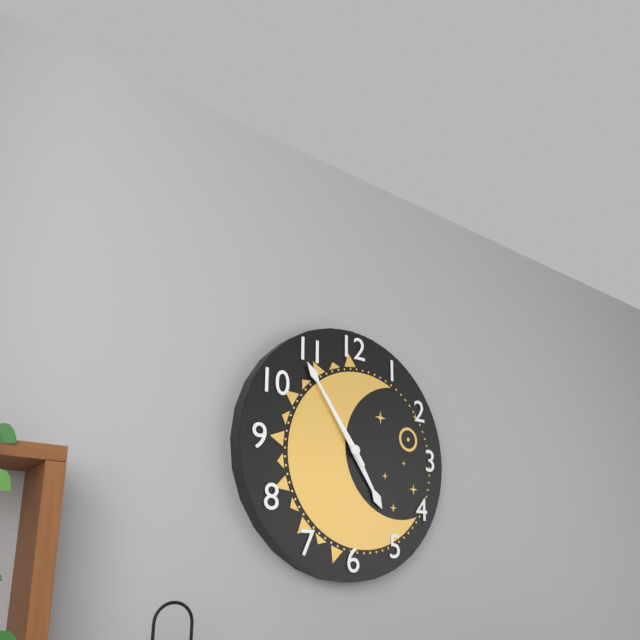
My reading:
4 h 54 min
